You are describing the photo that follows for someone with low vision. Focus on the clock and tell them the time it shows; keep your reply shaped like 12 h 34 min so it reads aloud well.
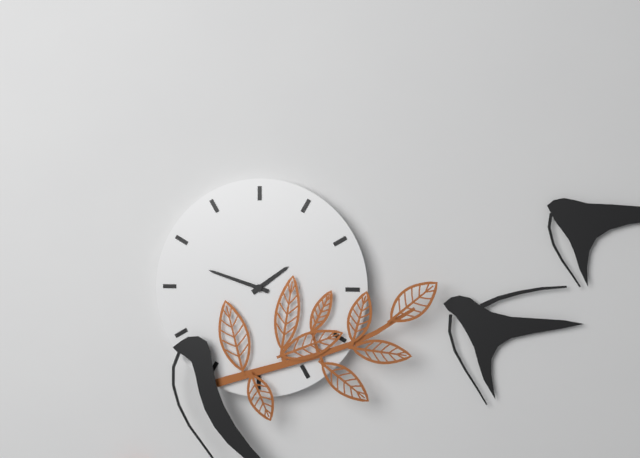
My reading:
1 h 48 min
